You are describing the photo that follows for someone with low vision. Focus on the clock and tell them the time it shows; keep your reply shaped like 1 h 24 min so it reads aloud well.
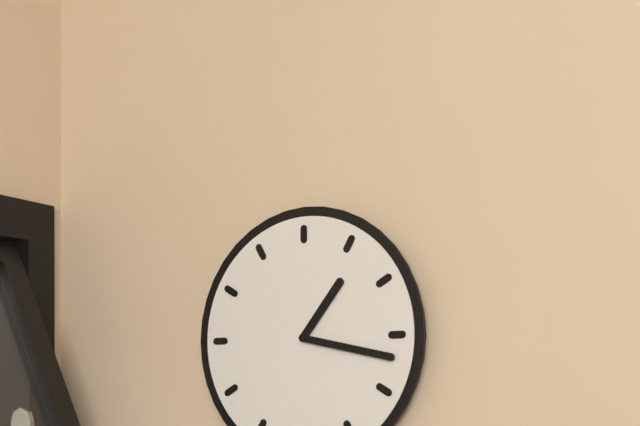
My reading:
1 h 17 min
